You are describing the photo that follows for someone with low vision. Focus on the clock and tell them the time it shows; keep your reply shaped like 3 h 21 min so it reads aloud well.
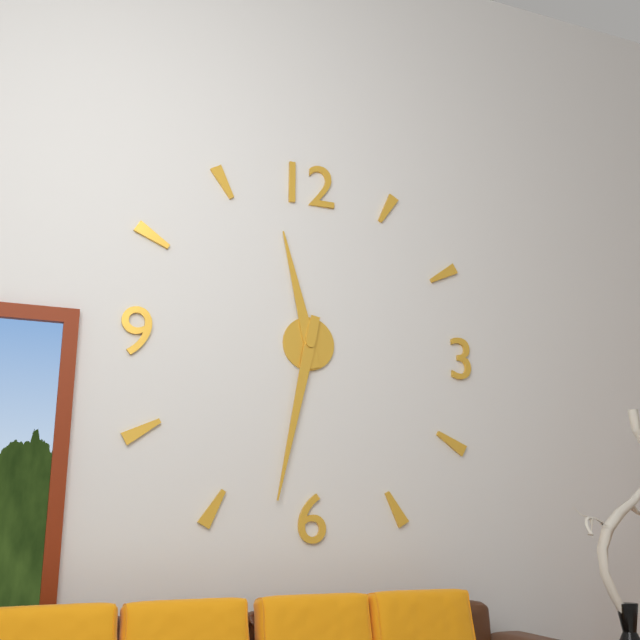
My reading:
11 h 32 min
